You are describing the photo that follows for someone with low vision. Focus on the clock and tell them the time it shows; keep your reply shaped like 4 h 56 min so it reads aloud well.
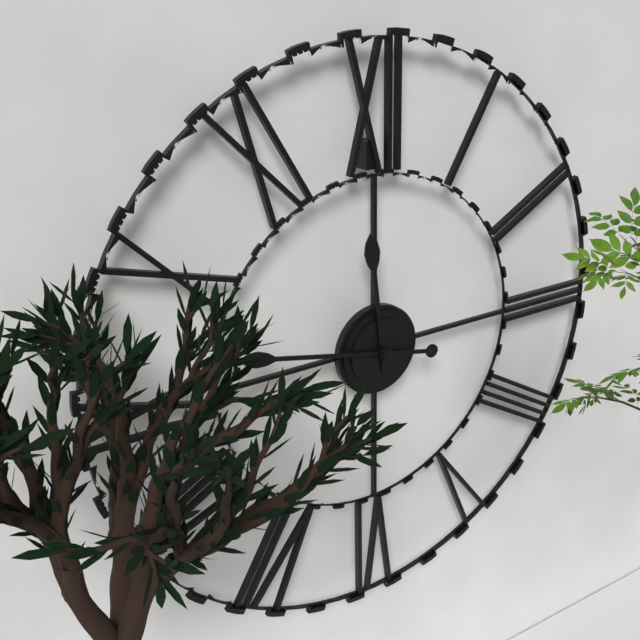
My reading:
11 h 47 min
